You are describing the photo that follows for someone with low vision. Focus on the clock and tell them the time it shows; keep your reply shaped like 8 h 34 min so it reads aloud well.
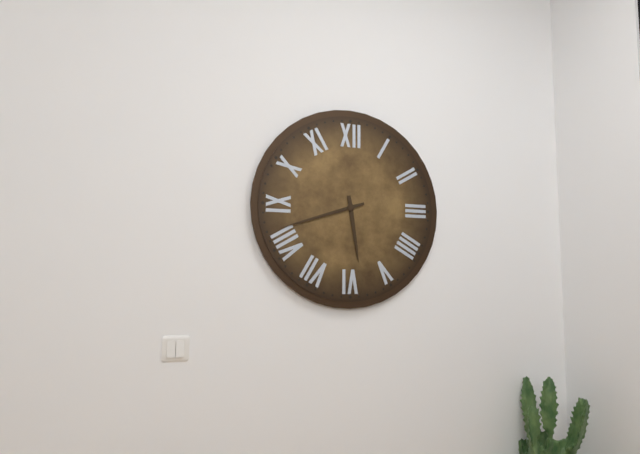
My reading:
5 h 42 min
